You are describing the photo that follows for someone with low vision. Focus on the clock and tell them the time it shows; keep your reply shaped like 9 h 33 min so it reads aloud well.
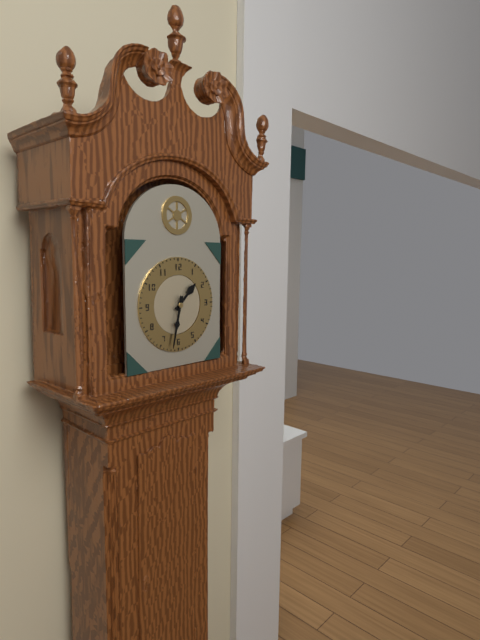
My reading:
1 h 32 min
